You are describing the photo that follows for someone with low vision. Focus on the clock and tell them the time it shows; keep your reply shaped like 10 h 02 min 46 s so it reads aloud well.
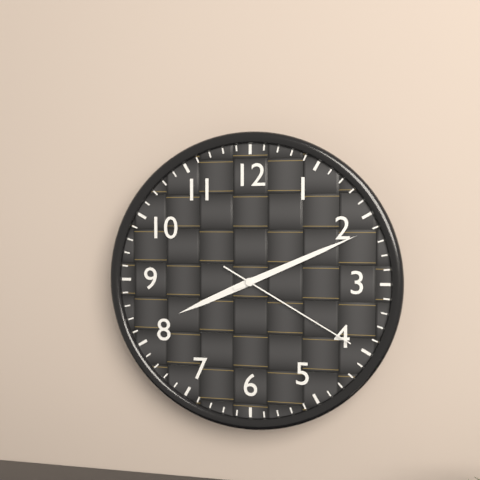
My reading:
8 h 11 min 20 s
